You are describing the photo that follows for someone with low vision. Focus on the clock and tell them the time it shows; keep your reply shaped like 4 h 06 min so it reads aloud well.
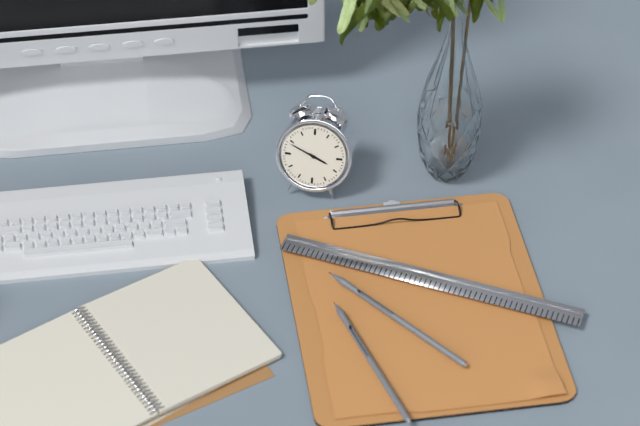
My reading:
3 h 49 min
